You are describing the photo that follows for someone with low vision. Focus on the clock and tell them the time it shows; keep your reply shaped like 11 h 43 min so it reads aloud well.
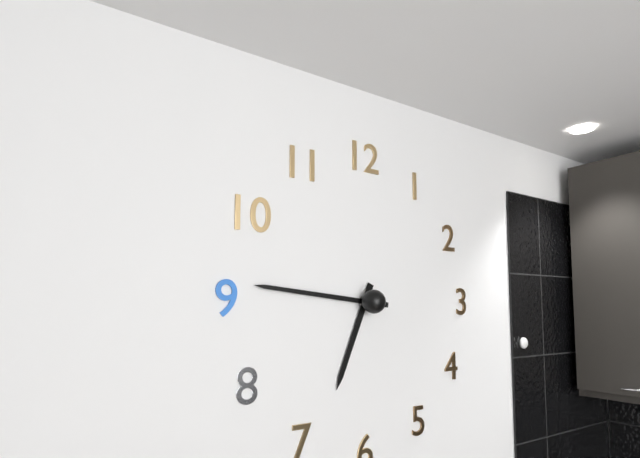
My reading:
6 h 46 min
